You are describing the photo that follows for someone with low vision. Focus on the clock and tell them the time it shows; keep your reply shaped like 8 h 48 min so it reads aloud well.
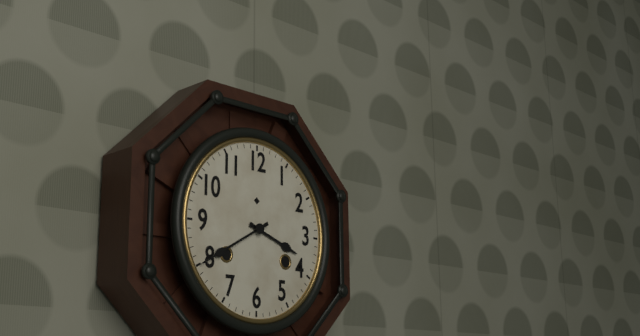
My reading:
3 h 40 min
